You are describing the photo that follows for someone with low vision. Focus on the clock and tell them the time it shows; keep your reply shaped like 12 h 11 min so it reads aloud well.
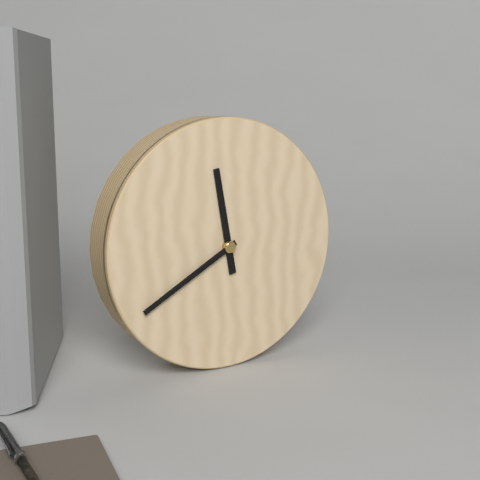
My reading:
11 h 40 min
